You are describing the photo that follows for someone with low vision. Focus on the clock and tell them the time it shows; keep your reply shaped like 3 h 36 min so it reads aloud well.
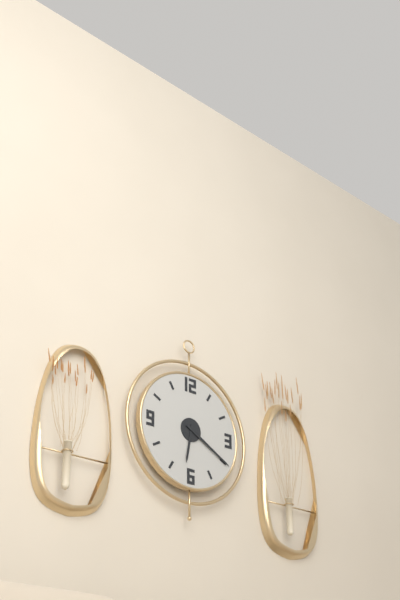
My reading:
6 h 20 min
